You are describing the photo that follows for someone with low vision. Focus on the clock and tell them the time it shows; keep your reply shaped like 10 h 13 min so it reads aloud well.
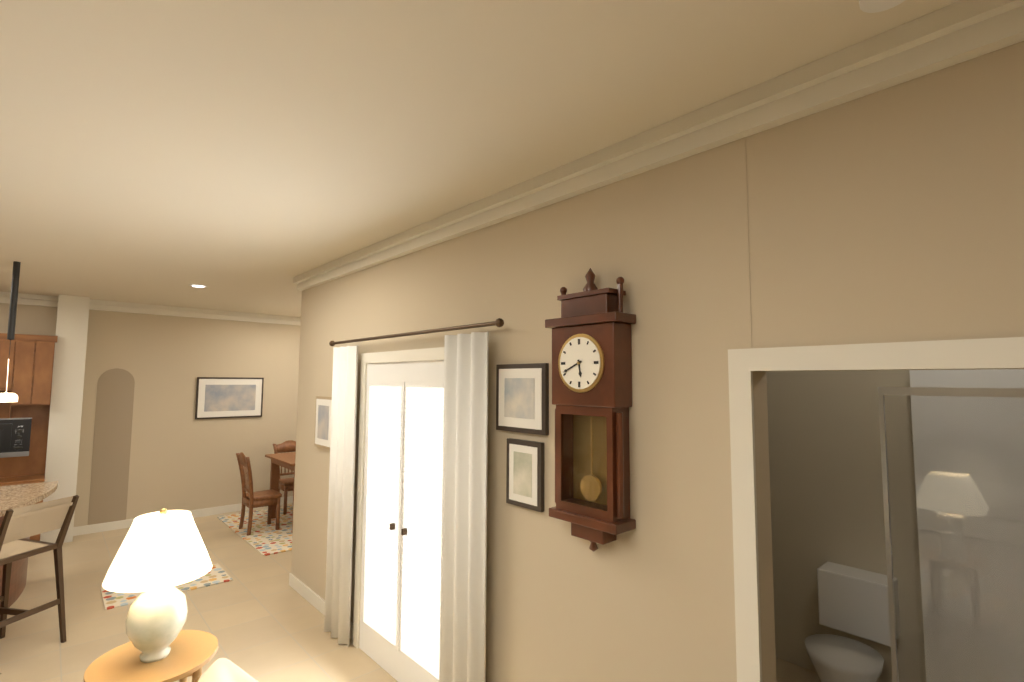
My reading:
5 h 41 min
